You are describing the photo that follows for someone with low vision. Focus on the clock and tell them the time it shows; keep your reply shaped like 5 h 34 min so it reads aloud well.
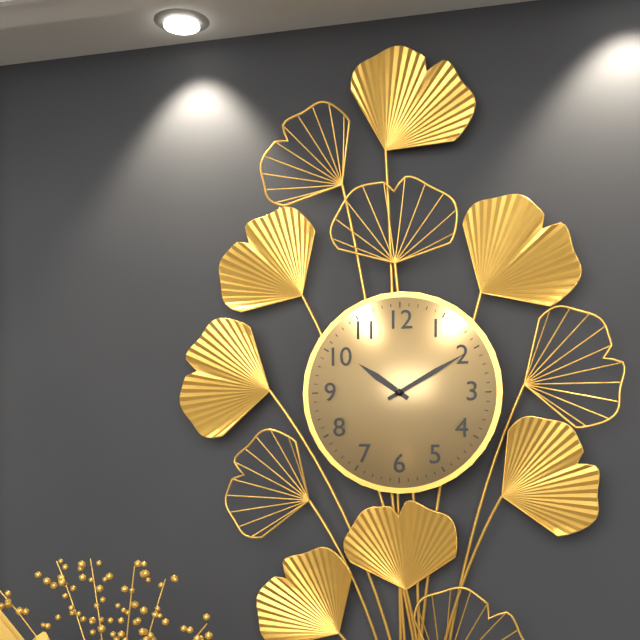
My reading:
10 h 10 min
